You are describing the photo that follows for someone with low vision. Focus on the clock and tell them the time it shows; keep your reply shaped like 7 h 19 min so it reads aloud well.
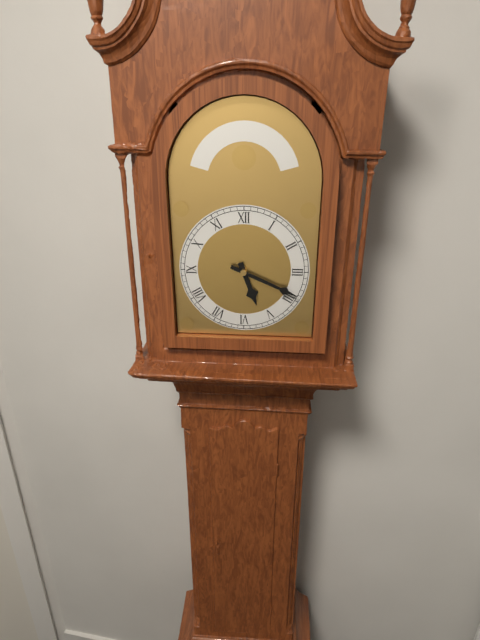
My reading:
5 h 19 min
